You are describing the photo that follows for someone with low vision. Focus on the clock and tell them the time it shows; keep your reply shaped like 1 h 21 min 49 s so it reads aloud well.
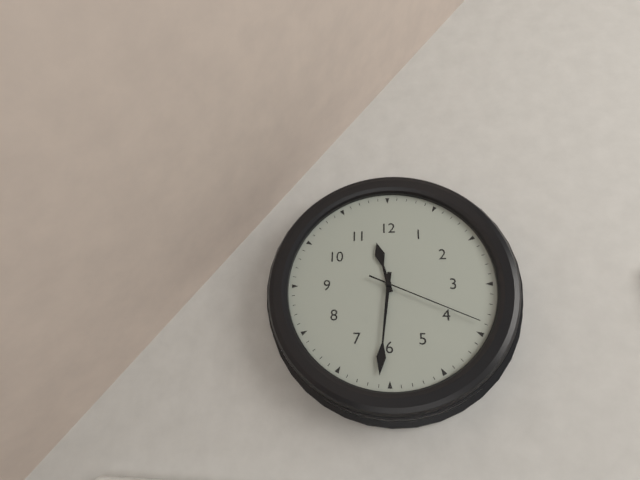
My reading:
11 h 31 min 19 s
